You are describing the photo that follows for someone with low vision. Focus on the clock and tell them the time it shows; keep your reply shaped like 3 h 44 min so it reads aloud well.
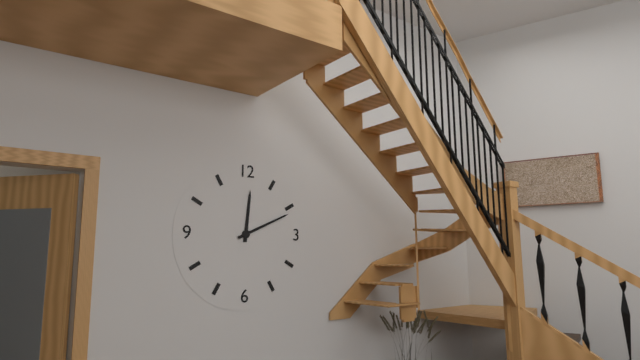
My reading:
12 h 11 min
